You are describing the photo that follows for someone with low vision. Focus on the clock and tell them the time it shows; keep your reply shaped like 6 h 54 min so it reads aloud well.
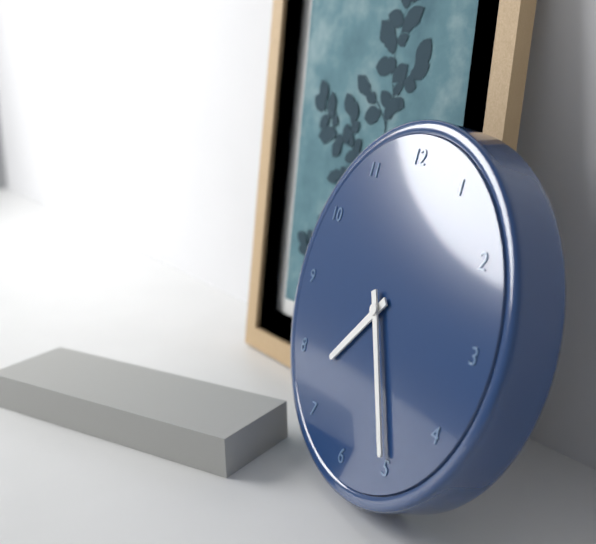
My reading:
7 h 25 min
